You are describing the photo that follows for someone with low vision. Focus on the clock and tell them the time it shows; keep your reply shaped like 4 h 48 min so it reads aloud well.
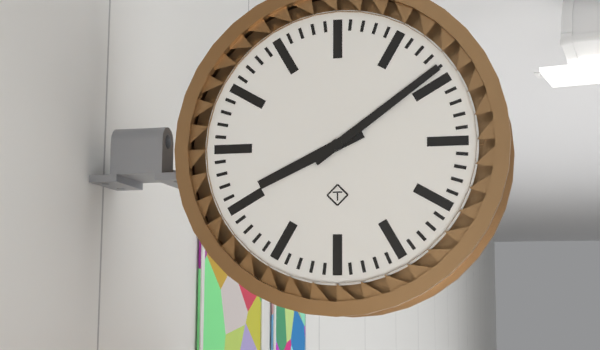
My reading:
8 h 09 min
